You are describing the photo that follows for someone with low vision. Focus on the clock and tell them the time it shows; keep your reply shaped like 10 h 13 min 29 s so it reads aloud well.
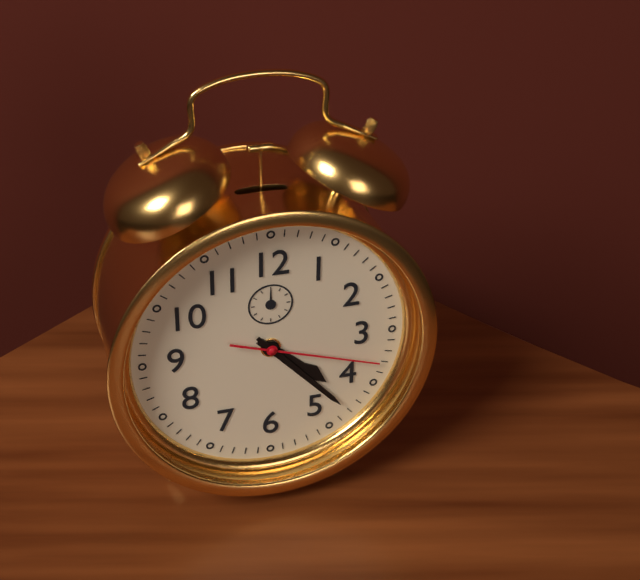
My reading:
4 h 23 min 18 s
